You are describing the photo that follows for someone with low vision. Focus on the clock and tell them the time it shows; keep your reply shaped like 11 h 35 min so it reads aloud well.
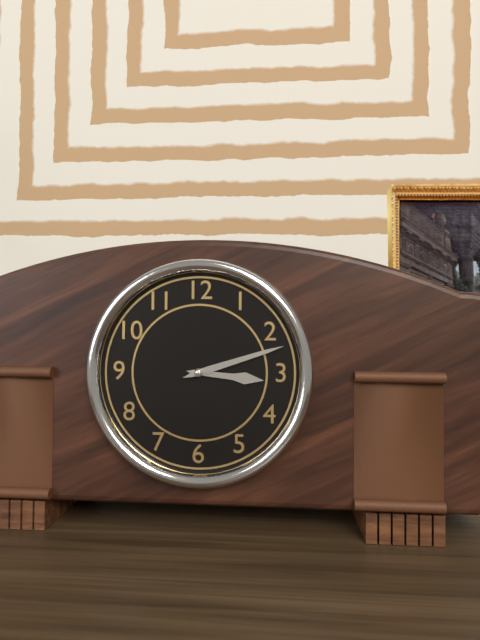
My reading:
3 h 12 min
